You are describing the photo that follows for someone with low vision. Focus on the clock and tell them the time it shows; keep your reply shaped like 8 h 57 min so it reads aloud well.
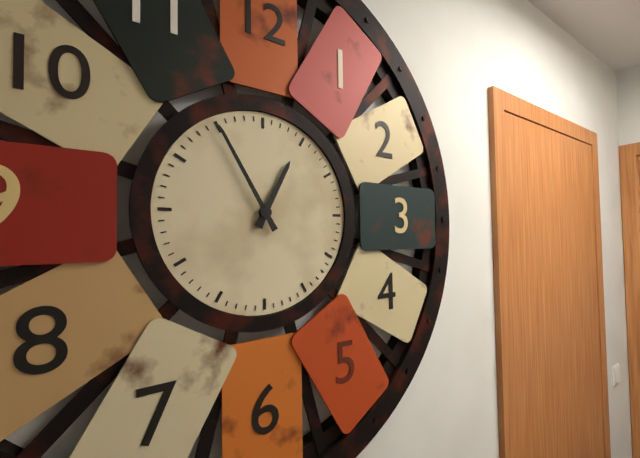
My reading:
12 h 55 min
